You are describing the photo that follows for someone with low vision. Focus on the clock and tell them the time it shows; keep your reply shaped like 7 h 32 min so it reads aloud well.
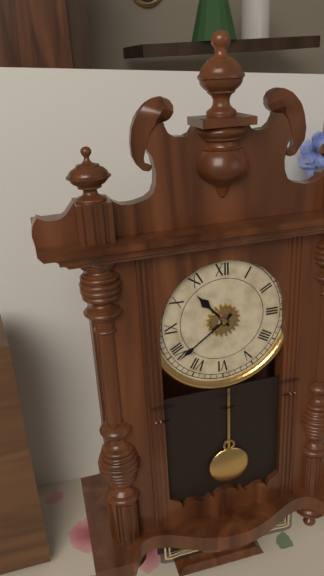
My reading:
10 h 39 min
